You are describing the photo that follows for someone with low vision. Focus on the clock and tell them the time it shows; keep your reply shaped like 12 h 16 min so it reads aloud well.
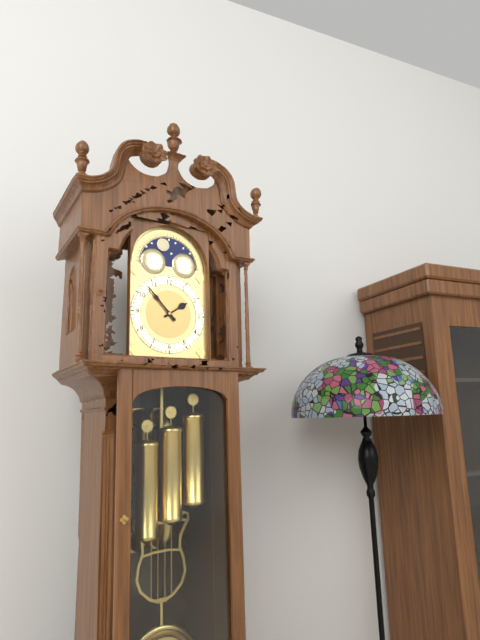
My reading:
1 h 53 min
